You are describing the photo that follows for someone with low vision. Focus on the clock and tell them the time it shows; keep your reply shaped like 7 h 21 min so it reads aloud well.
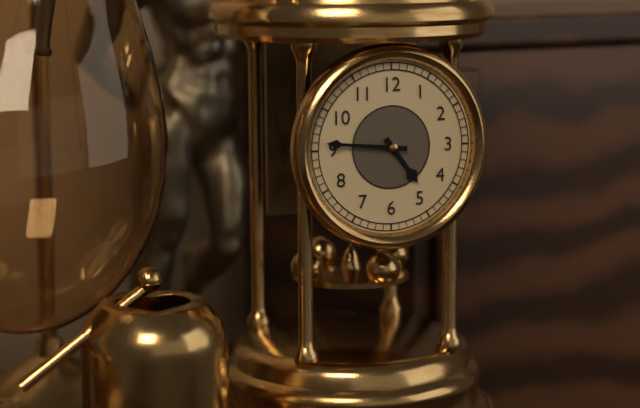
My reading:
4 h 46 min
